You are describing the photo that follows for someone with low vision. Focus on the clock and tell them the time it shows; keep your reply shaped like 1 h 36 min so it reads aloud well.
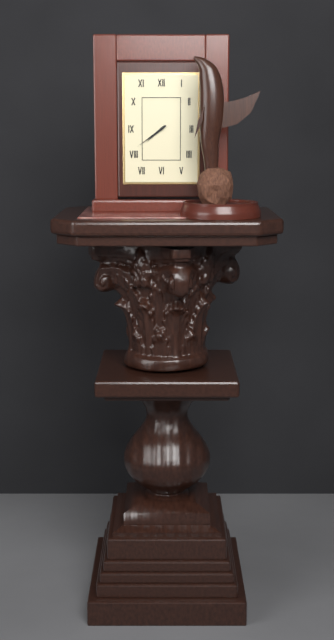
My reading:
7 h 39 min
